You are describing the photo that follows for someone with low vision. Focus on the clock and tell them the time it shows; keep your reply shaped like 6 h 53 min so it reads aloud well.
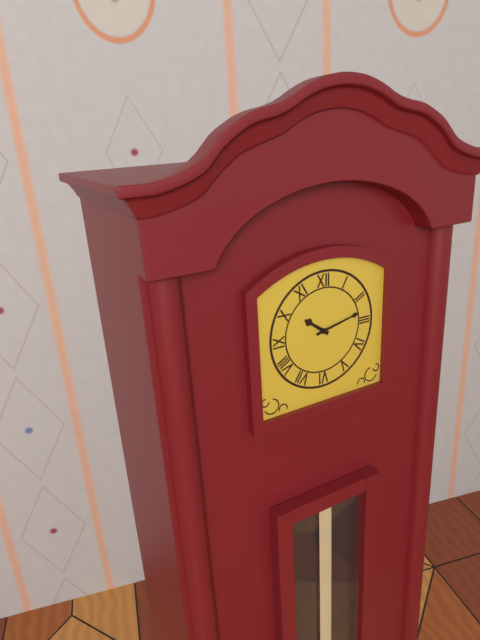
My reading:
10 h 13 min
